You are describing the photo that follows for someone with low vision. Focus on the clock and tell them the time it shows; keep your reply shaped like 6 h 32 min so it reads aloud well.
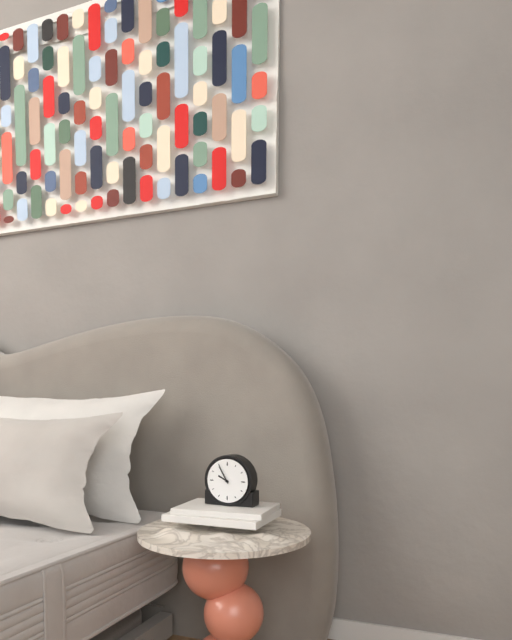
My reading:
9 h 55 min
